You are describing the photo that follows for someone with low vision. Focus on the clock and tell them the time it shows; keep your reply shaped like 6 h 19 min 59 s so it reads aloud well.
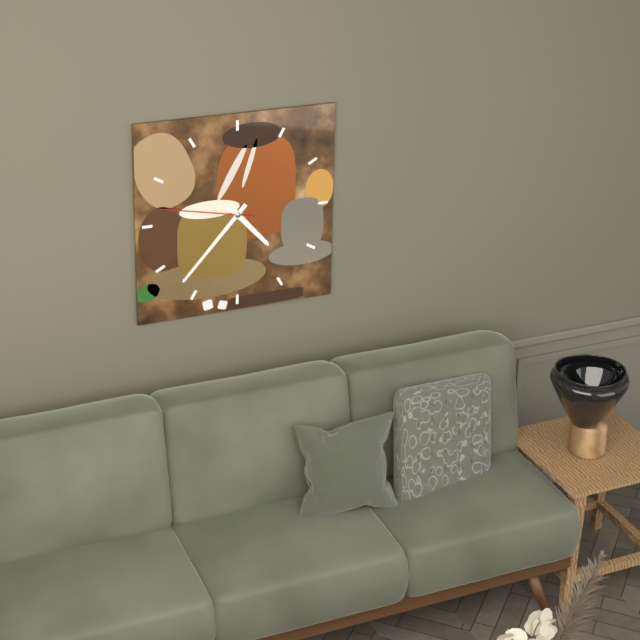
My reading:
4 h 37 min 47 s
